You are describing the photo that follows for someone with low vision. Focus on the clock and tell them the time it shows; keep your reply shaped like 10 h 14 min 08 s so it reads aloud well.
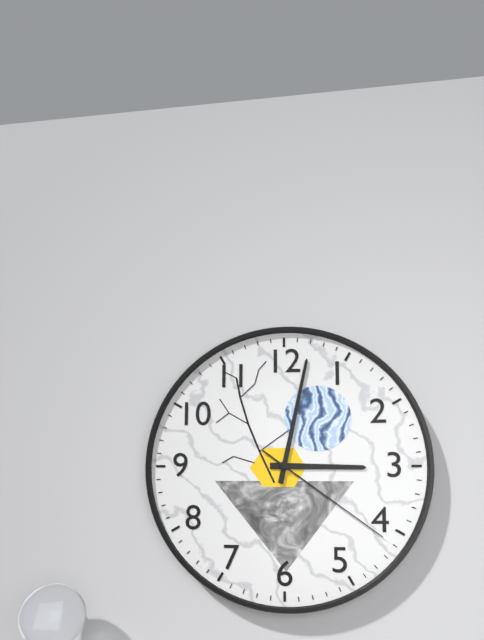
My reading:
3 h 02 min 21 s
